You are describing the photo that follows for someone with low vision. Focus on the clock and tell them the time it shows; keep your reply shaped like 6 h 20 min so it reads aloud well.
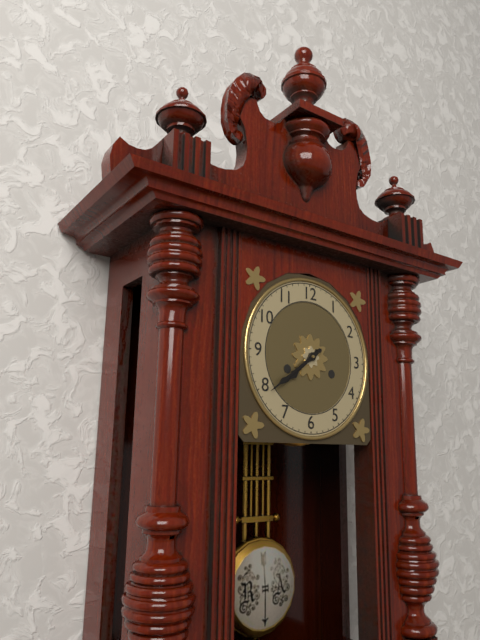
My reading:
7 h 39 min
